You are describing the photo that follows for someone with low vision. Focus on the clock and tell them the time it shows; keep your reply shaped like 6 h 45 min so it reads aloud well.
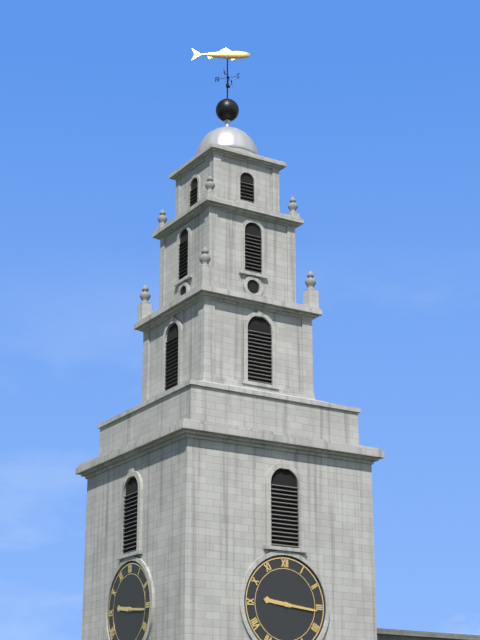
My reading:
9 h 16 min
